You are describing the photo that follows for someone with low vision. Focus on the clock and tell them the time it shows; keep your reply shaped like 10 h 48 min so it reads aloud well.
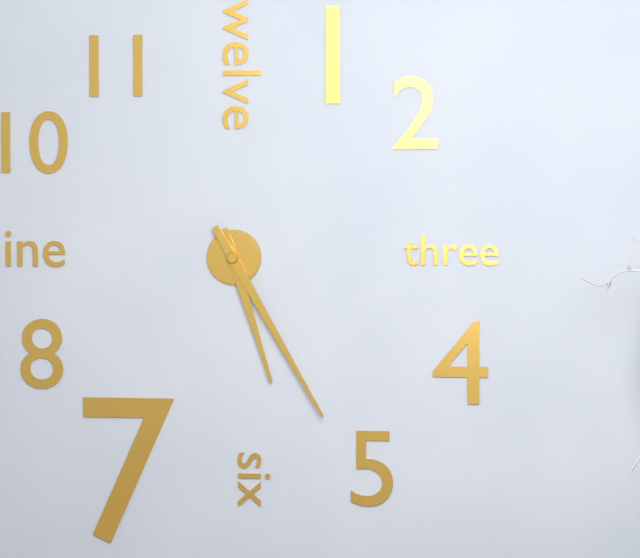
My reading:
5 h 25 min
